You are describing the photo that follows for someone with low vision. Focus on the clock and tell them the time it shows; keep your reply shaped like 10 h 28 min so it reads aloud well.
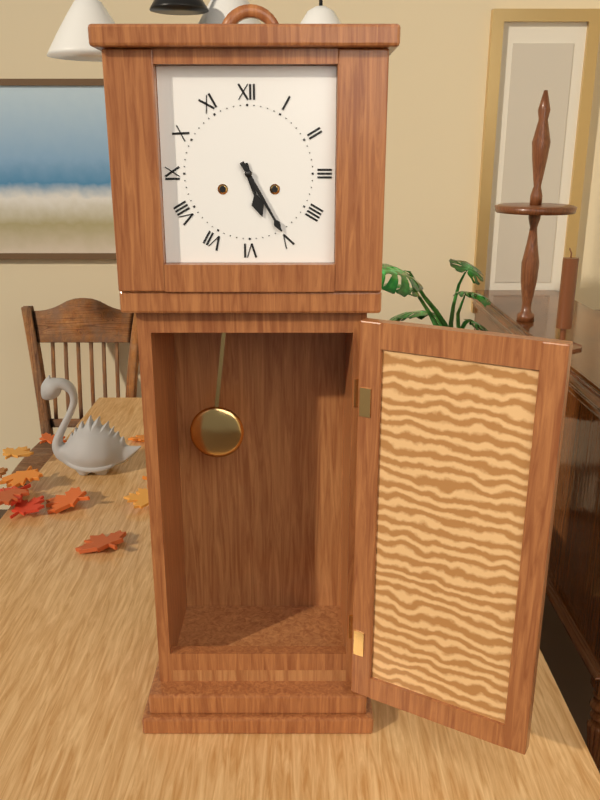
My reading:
5 h 25 min
